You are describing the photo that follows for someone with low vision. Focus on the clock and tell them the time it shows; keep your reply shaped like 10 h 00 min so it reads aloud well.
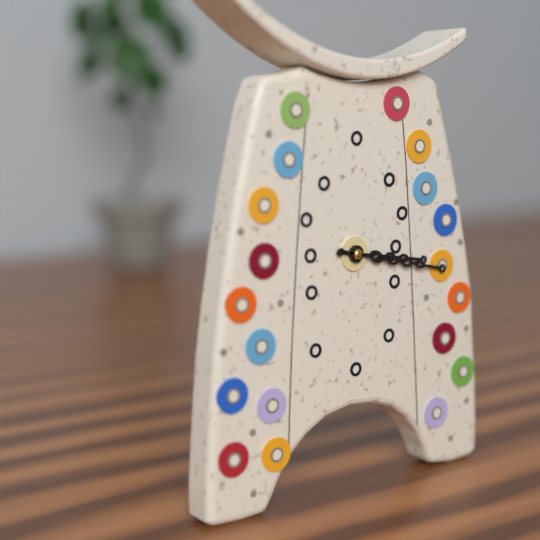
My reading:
3 h 17 min
